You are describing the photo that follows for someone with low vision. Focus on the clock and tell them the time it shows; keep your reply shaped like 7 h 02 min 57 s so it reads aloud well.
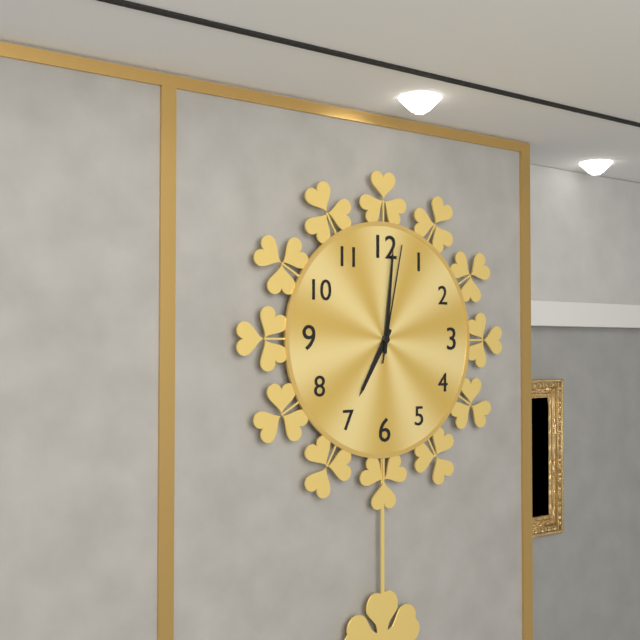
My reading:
7 h 01 min 02 s
